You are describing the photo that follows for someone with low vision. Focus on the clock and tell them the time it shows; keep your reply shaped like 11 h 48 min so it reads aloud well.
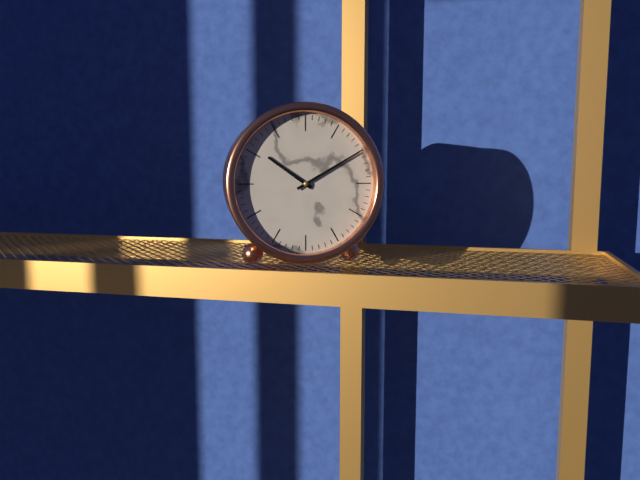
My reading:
10 h 10 min
